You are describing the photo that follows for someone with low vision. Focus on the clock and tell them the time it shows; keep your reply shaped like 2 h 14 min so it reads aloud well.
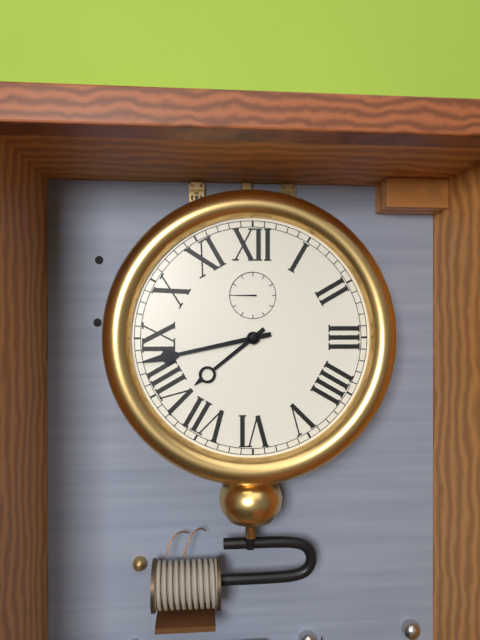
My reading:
7 h 43 min
